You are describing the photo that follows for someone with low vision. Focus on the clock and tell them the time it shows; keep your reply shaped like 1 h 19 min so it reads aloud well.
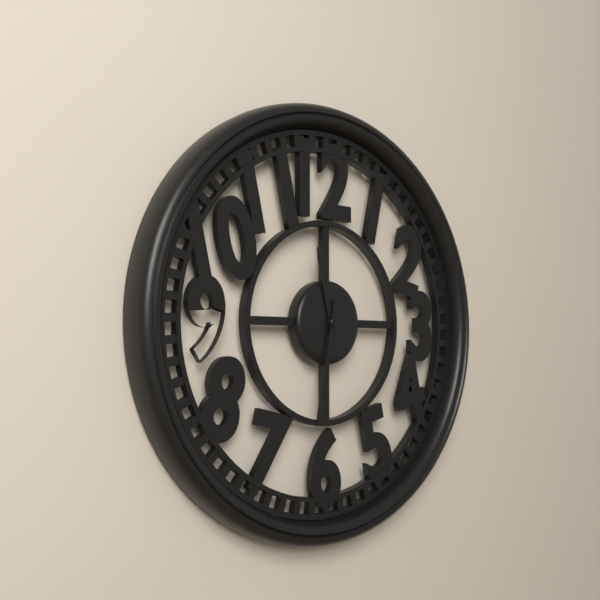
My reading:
11 h 32 min
